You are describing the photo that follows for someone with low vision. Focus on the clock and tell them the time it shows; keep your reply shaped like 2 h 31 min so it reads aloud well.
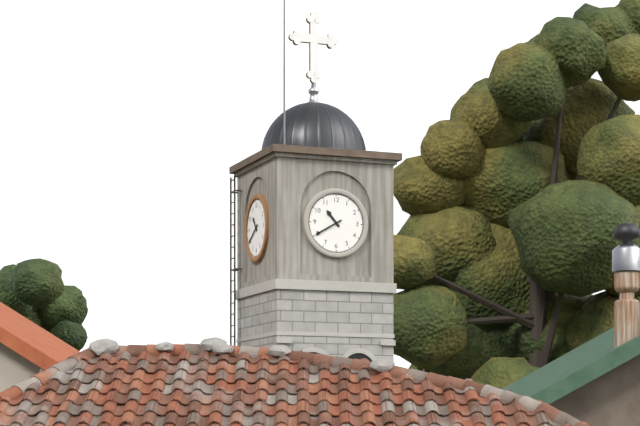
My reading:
10 h 40 min
